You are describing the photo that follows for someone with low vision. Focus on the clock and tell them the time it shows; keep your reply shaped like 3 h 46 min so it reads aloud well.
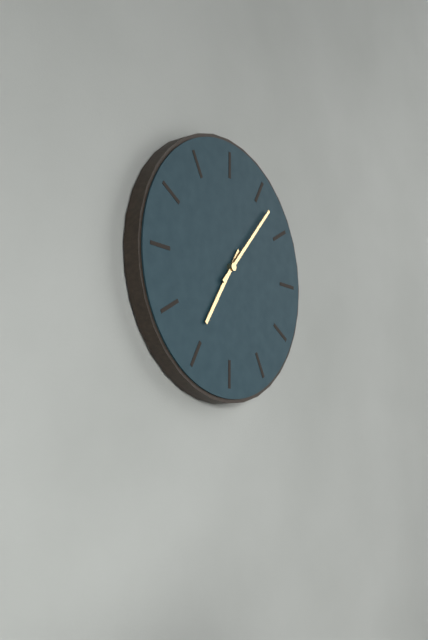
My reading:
7 h 07 min
